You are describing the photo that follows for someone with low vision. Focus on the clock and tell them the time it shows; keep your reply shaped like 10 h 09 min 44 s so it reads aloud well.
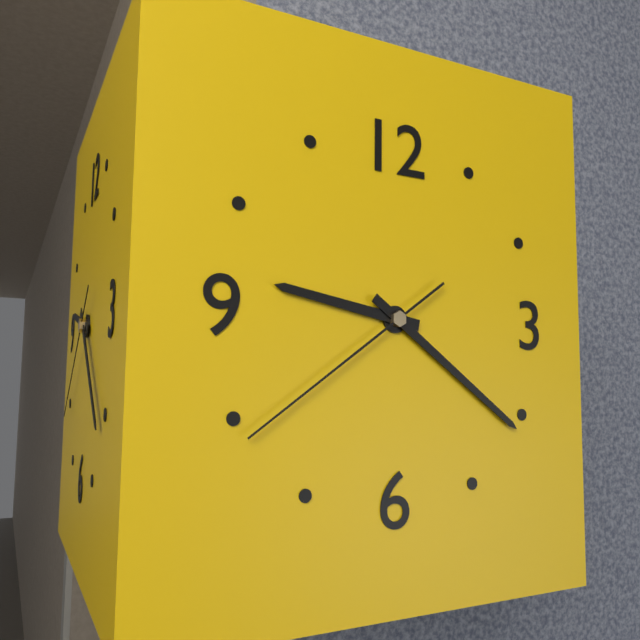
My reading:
9 h 21 min 39 s
